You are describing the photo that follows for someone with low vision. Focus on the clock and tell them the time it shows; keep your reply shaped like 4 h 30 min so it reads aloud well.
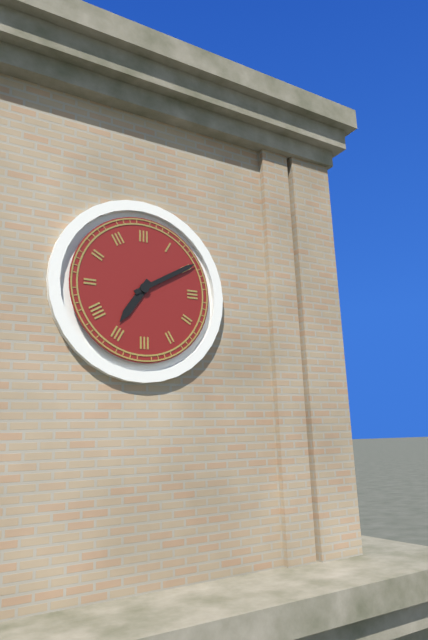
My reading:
7 h 10 min
